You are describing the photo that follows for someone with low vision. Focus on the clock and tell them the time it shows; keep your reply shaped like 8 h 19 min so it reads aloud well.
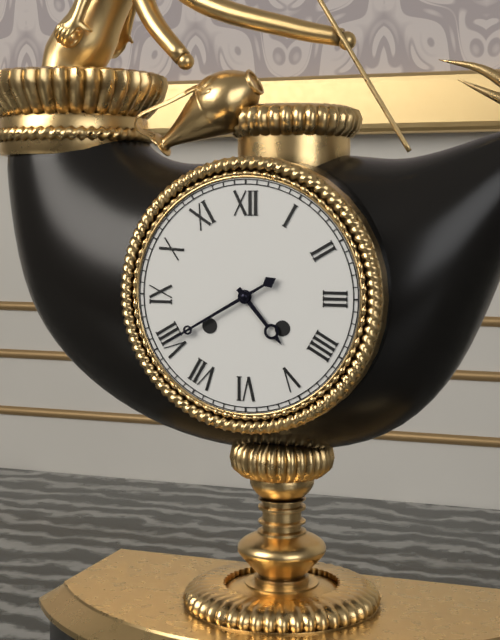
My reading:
4 h 40 min
